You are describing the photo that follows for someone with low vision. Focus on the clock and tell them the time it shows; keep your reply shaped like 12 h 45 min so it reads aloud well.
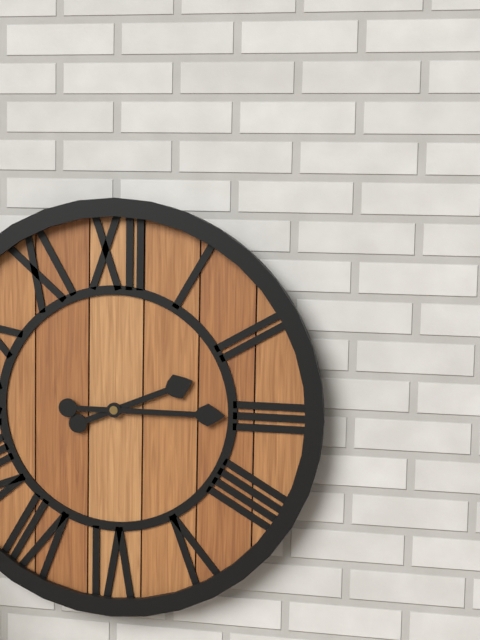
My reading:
2 h 15 min
